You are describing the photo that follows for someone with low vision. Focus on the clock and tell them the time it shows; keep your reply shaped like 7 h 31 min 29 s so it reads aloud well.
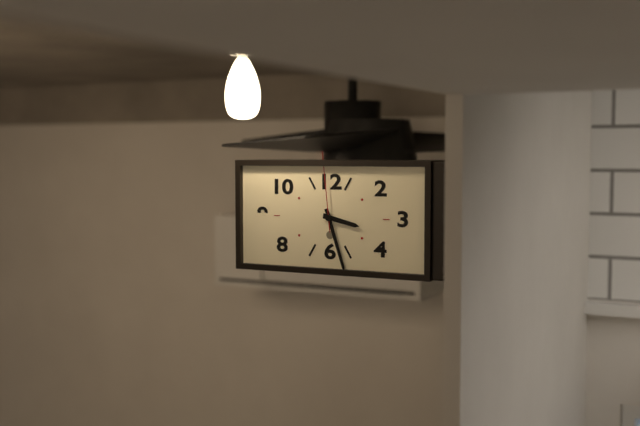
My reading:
3 h 27 min 59 s
